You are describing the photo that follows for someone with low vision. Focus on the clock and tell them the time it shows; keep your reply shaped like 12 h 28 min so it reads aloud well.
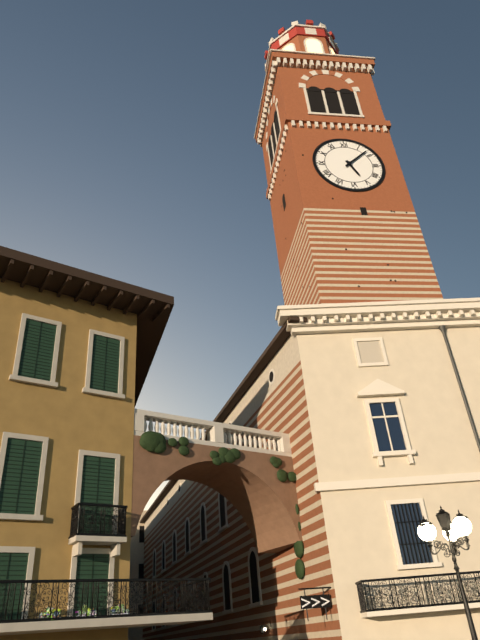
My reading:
5 h 08 min
